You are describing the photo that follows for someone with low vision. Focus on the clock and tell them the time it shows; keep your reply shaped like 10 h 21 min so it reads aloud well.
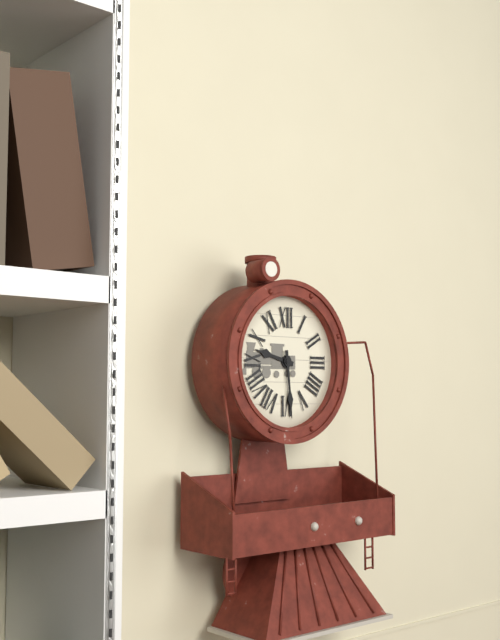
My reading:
9 h 29 min
